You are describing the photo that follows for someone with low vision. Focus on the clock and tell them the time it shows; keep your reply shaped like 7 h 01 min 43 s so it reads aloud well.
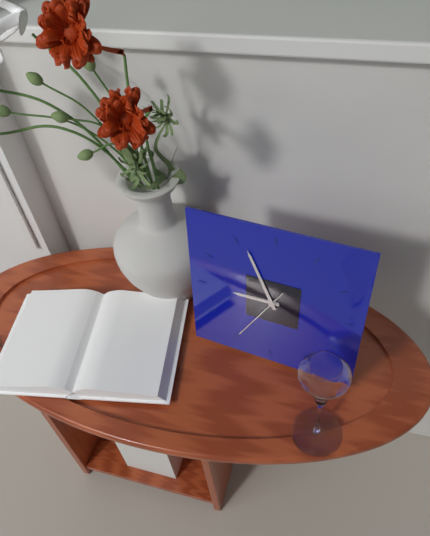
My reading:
8 h 56 min 35 s
